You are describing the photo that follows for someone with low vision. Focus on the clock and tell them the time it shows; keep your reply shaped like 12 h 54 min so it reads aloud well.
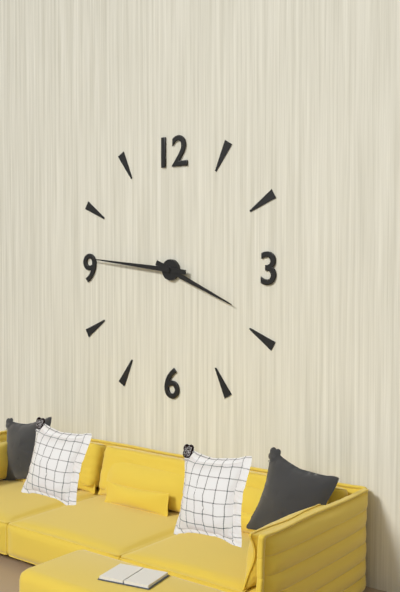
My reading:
3 h 46 min
